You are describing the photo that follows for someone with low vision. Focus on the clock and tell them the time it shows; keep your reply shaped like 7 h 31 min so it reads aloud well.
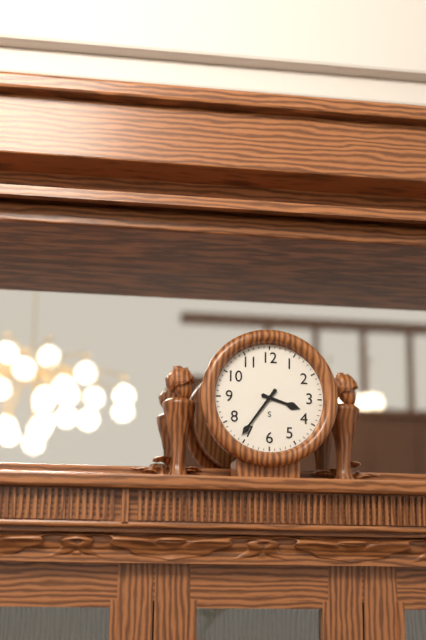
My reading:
3 h 36 min
